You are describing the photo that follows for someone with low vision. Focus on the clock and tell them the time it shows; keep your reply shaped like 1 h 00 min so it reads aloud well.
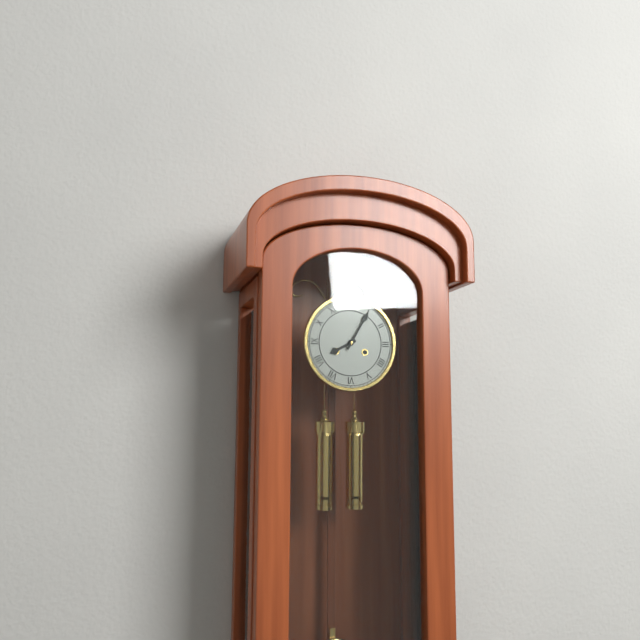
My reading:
8 h 05 min
